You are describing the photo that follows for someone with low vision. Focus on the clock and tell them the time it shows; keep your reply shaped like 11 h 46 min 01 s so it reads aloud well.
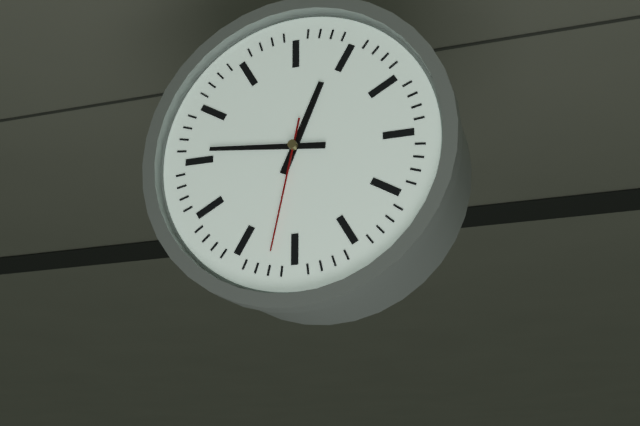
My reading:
12 h 46 min 32 s
